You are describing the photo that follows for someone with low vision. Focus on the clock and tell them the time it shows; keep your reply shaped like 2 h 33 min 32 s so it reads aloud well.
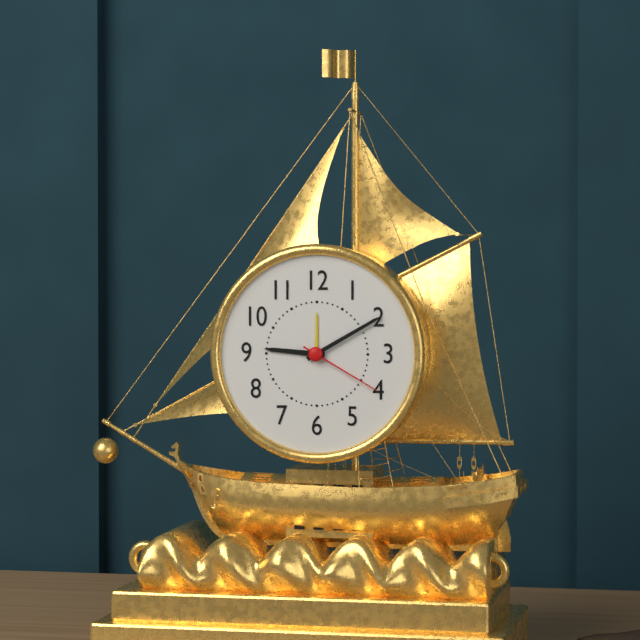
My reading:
9 h 10 min 20 s
